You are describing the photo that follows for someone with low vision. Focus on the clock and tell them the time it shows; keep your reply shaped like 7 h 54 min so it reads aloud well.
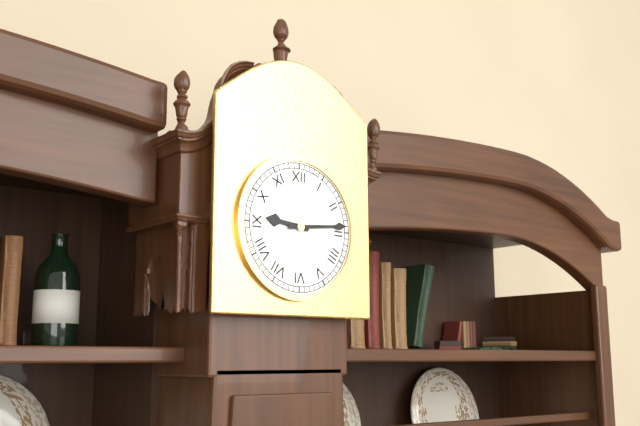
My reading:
9 h 14 min
